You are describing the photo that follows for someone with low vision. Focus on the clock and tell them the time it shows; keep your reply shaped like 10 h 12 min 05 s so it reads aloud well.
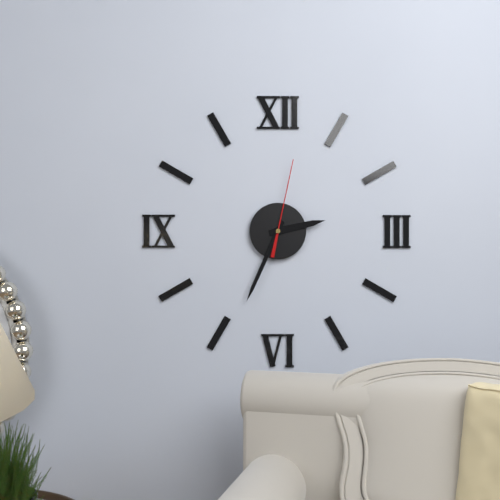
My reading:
2 h 34 min 02 s
